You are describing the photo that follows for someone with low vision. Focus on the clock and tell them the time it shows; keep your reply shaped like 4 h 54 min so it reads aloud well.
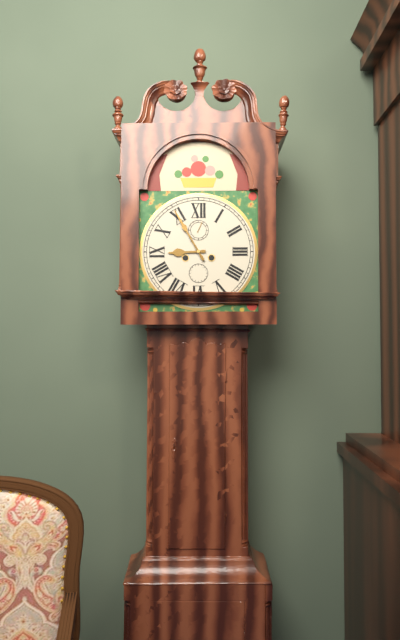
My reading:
8 h 55 min
